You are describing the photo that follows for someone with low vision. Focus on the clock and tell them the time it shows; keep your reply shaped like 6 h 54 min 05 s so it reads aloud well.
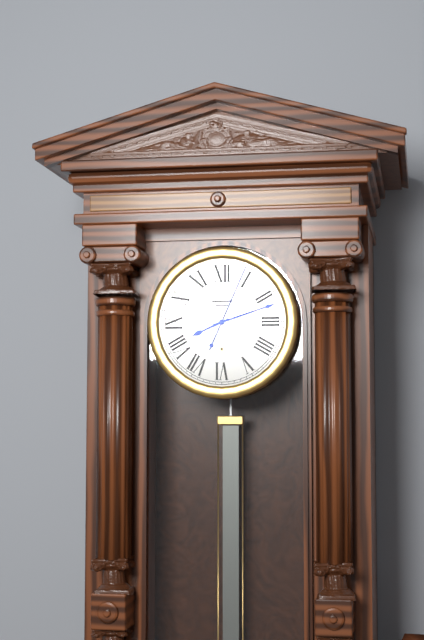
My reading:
8 h 12 min 04 s
